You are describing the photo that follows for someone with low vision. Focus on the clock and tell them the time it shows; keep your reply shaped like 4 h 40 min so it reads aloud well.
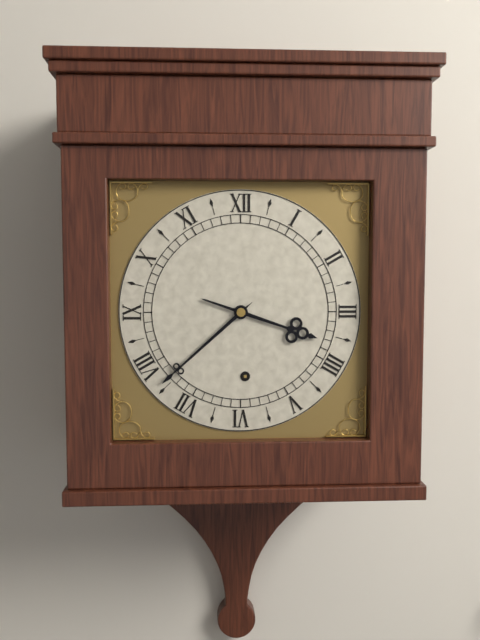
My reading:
3 h 38 min
